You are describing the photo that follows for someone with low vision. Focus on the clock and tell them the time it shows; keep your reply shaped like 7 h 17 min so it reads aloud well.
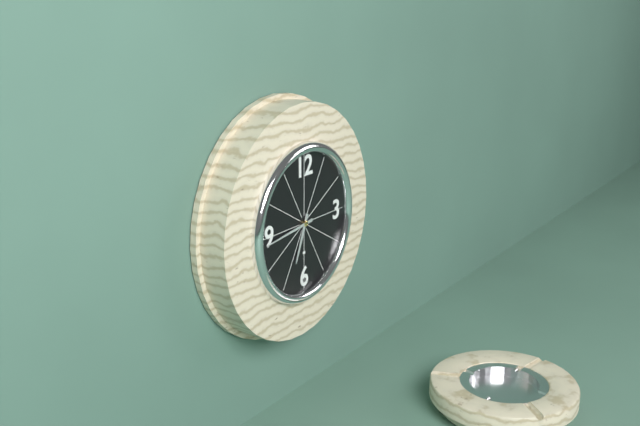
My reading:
6 h 44 min
